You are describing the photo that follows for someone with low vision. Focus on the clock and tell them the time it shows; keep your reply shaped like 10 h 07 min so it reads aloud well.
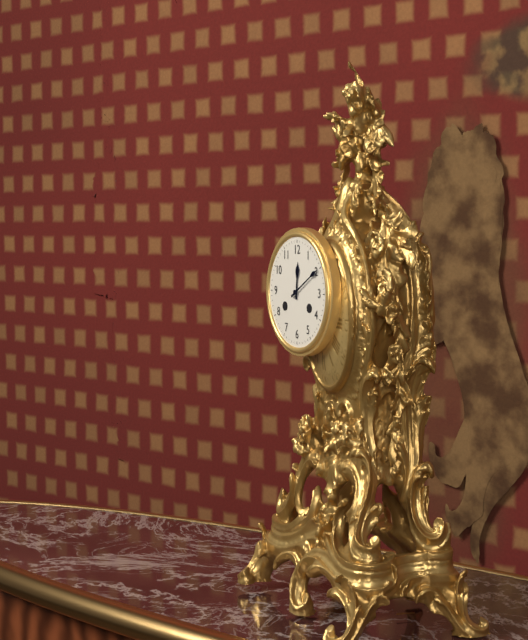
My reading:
12 h 10 min
